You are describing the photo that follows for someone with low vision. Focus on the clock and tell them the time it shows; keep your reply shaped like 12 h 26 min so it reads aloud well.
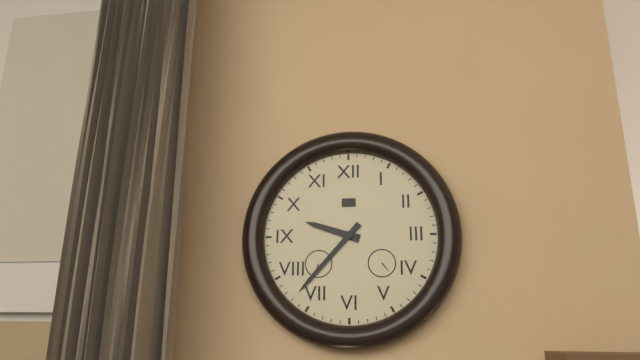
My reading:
9 h 37 min
